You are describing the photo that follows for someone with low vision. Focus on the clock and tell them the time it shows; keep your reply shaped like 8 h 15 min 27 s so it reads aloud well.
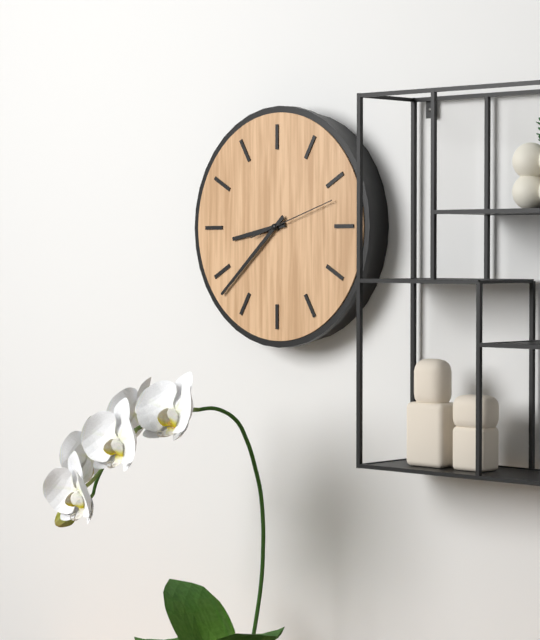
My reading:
8 h 38 min 12 s
